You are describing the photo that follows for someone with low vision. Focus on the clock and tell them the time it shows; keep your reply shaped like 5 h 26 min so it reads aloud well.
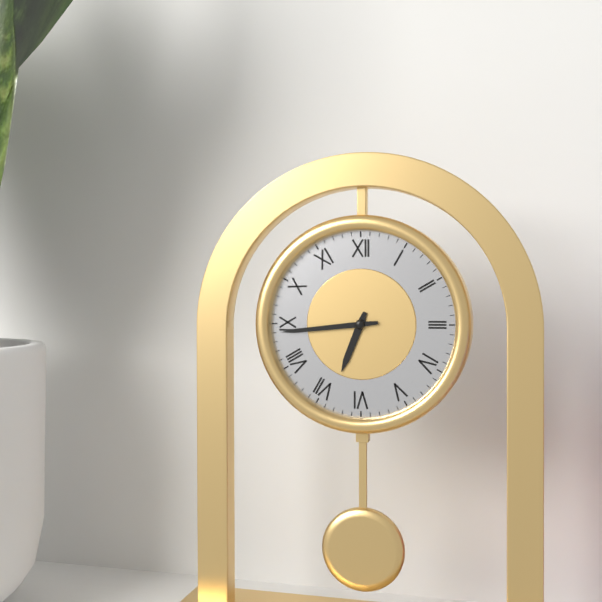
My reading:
6 h 44 min
